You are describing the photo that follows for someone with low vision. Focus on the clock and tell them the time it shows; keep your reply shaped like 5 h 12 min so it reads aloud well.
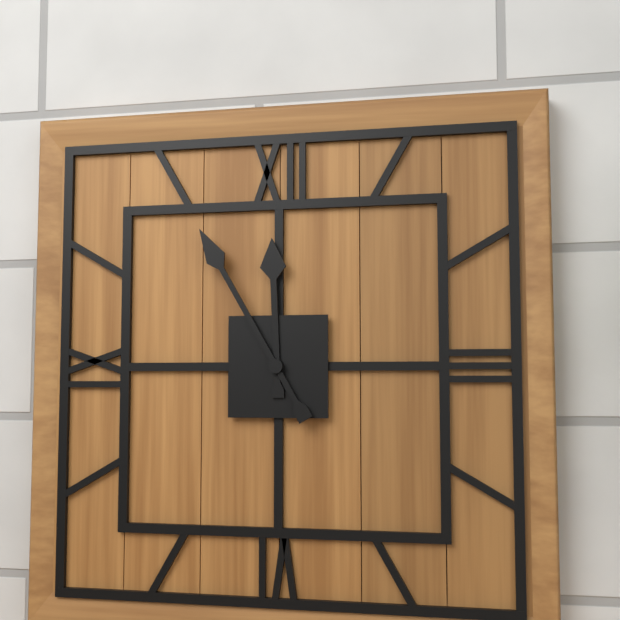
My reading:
11 h 55 min
